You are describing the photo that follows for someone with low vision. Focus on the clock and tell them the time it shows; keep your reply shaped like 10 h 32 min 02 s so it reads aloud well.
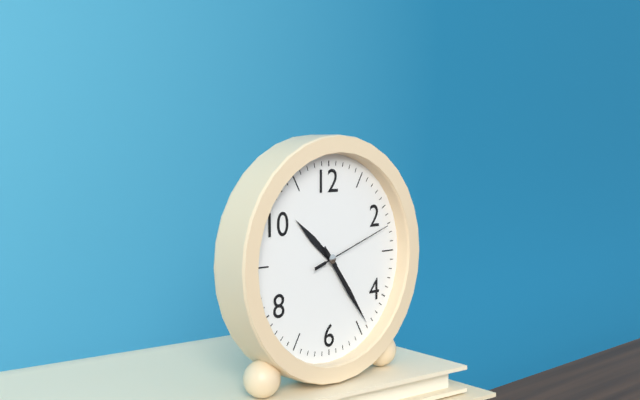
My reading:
10 h 24 min 12 s
